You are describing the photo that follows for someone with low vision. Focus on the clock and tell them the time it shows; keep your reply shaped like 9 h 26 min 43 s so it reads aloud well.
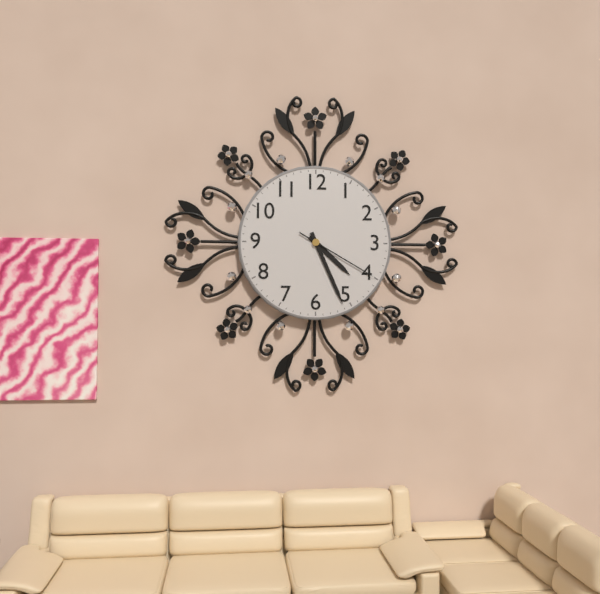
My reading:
4 h 26 min 20 s
